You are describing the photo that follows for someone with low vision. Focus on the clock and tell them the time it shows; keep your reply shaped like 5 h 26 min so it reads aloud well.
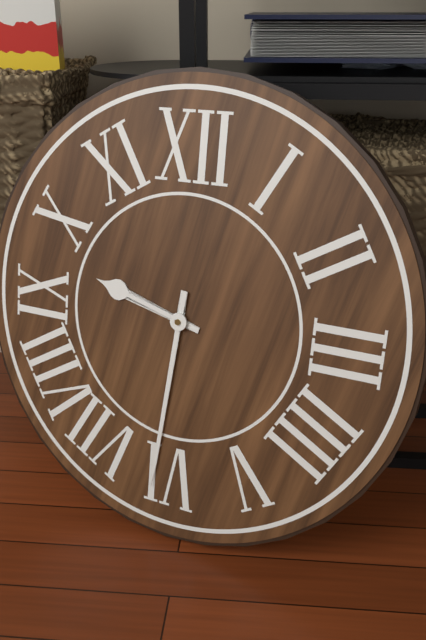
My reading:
9 h 31 min
